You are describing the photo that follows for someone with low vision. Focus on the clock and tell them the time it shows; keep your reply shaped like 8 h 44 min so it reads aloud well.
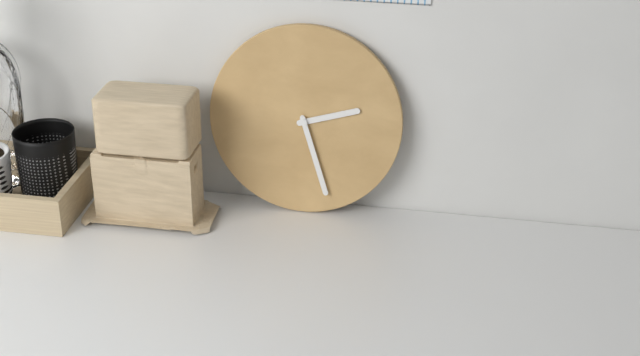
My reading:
2 h 27 min
